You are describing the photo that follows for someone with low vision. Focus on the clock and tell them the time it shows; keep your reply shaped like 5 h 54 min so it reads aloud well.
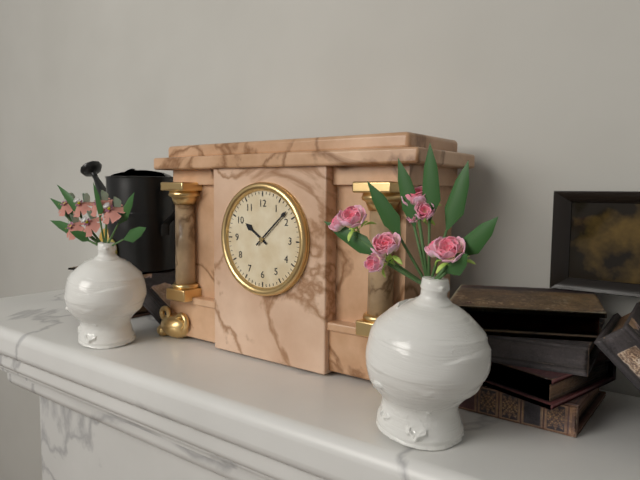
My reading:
10 h 08 min
